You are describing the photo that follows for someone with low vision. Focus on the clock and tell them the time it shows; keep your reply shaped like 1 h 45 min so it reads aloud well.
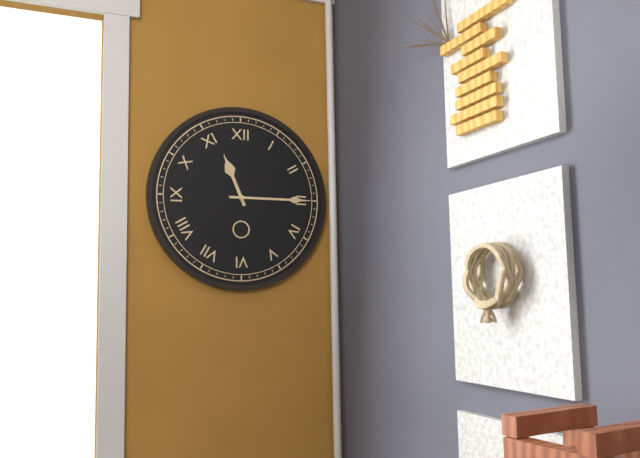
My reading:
11 h 15 min
